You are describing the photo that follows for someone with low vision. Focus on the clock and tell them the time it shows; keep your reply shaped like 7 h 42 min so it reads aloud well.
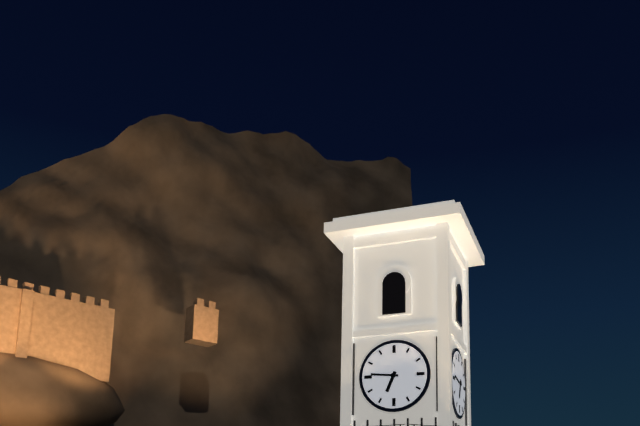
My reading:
6 h 46 min
